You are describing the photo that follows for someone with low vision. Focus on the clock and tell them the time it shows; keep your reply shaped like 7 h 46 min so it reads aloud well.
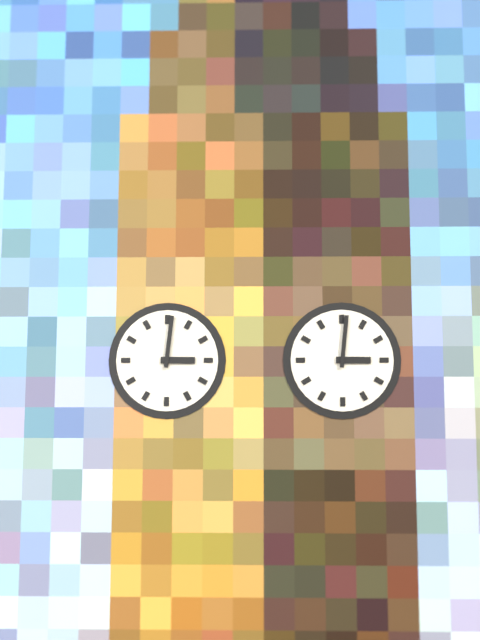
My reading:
3 h 01 min
